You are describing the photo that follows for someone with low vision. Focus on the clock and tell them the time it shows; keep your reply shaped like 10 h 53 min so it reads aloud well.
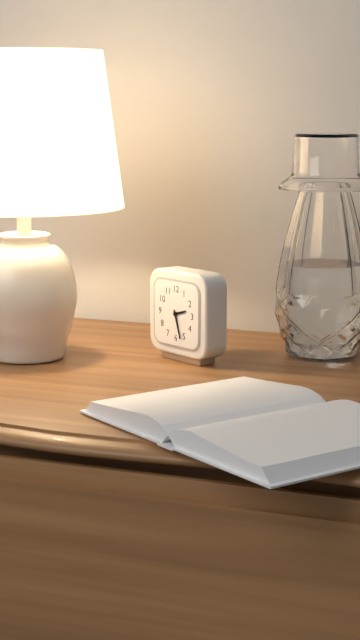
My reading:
2 h 27 min
